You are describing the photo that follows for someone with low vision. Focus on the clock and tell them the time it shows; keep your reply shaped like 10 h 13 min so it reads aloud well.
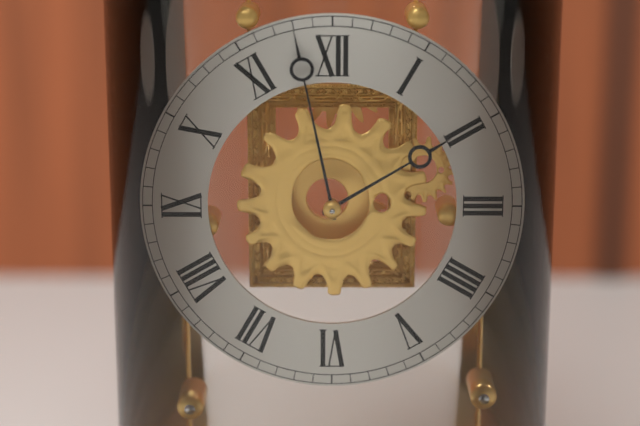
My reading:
1 h 58 min
